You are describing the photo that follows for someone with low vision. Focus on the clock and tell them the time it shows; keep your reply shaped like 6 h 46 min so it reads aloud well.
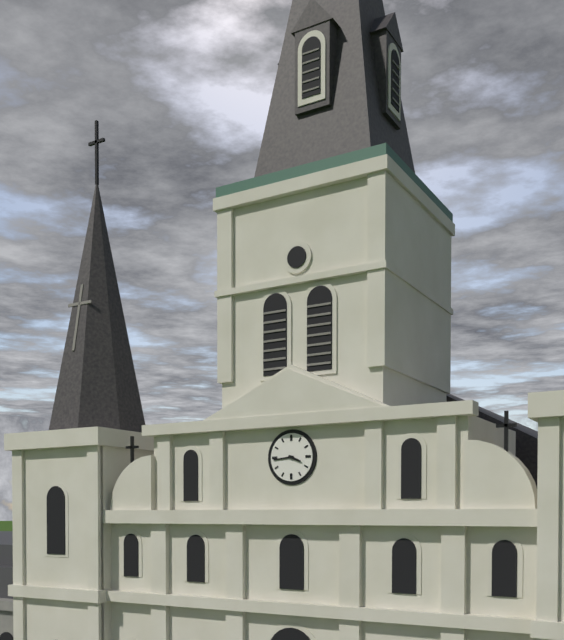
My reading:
3 h 44 min
